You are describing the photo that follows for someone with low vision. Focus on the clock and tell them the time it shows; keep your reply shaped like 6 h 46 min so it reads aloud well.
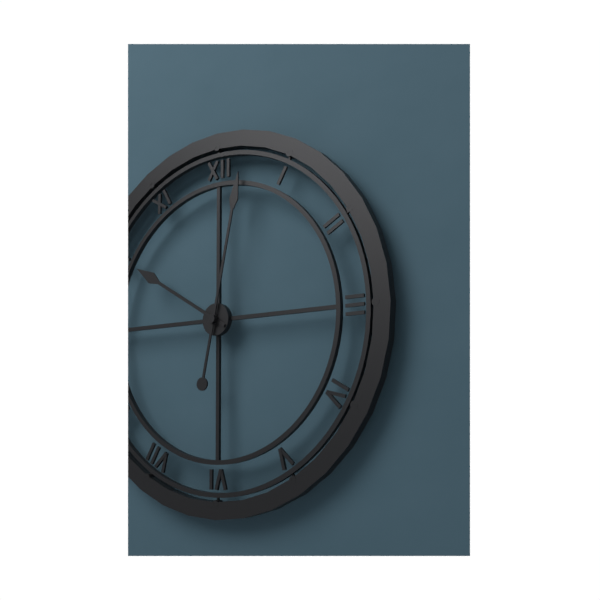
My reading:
10 h 02 min
